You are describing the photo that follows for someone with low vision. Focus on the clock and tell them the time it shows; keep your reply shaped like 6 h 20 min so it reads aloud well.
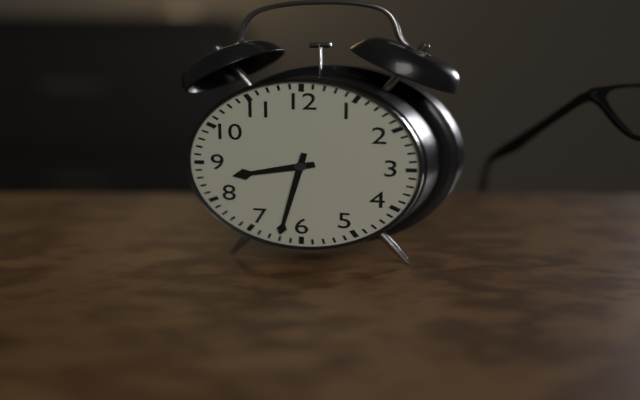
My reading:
8 h 32 min
